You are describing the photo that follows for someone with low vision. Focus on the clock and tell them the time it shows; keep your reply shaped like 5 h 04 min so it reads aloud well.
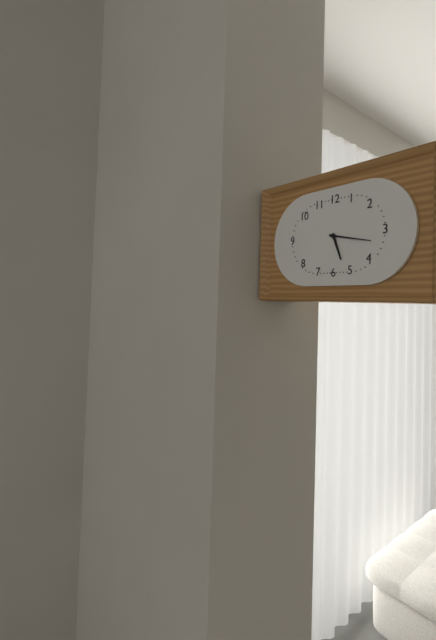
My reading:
5 h 17 min
